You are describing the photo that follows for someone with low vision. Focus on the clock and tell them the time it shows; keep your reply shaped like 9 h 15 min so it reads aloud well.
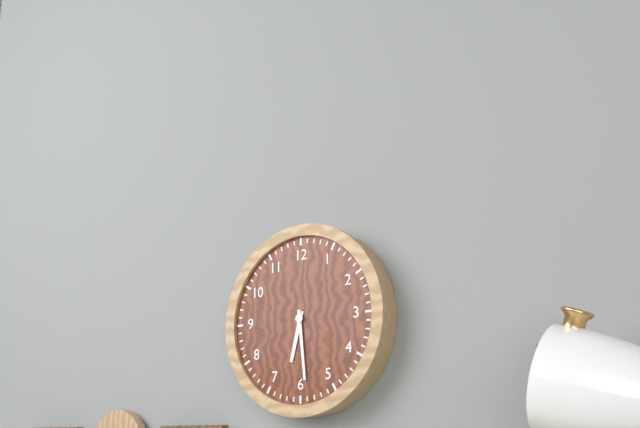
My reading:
6 h 29 min
